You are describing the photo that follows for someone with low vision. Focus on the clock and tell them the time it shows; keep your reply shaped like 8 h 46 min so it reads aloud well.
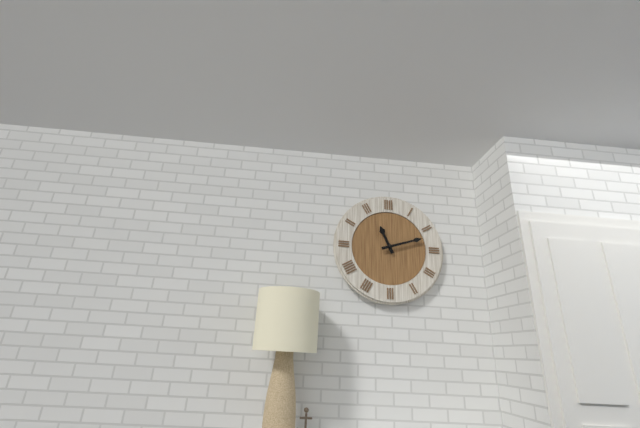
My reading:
11 h 12 min
